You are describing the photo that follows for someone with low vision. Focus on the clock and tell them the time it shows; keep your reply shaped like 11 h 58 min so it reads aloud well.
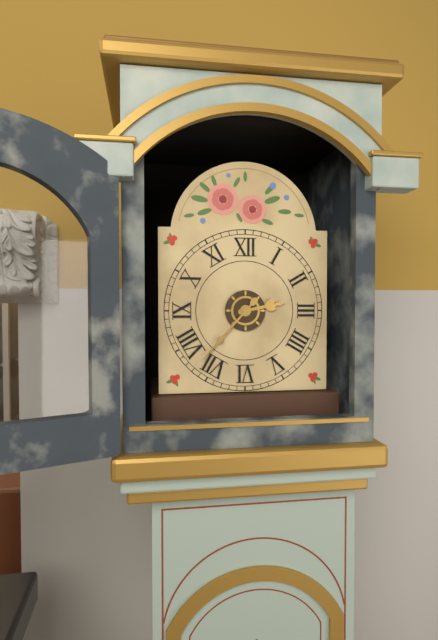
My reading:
2 h 37 min
